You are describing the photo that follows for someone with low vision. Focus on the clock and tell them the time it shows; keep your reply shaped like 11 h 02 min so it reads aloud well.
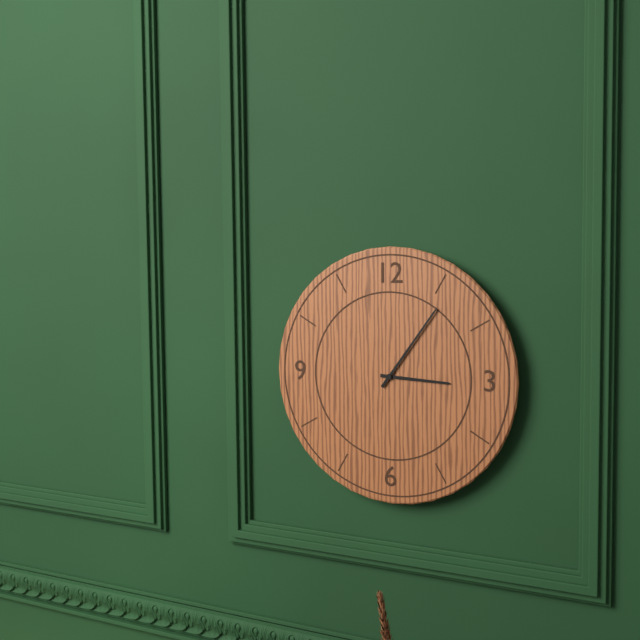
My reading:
3 h 06 min
